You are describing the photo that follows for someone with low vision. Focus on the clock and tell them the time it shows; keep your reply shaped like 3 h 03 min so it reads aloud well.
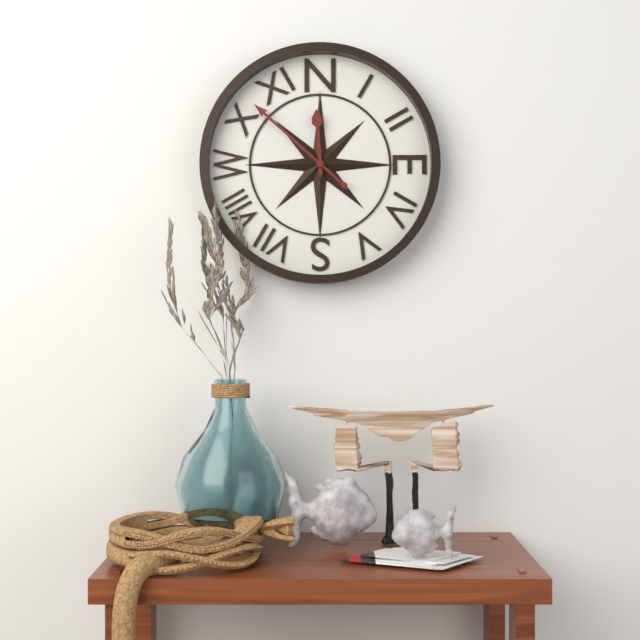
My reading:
11 h 52 min
